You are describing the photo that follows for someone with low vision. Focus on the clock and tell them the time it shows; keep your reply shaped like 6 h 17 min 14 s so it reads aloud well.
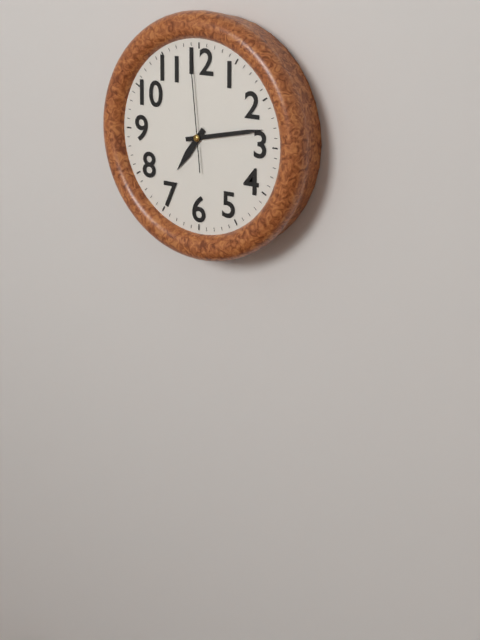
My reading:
7 h 13 min 59 s
